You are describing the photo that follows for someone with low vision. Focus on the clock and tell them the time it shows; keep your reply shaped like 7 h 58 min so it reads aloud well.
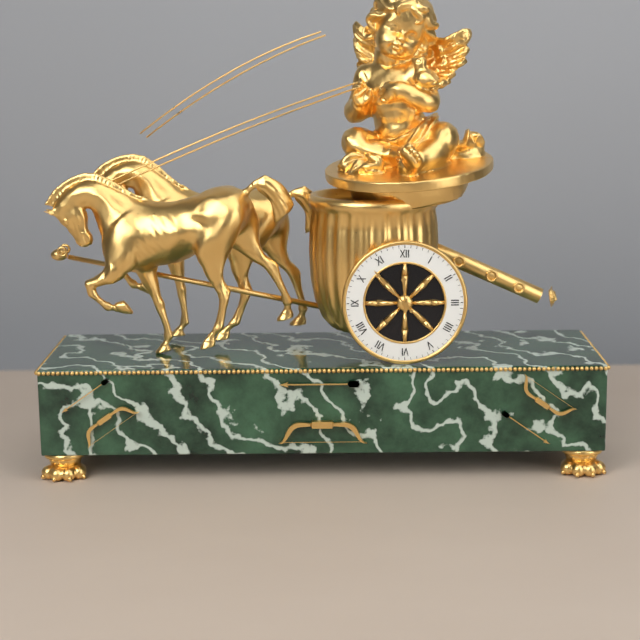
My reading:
11 h 53 min
